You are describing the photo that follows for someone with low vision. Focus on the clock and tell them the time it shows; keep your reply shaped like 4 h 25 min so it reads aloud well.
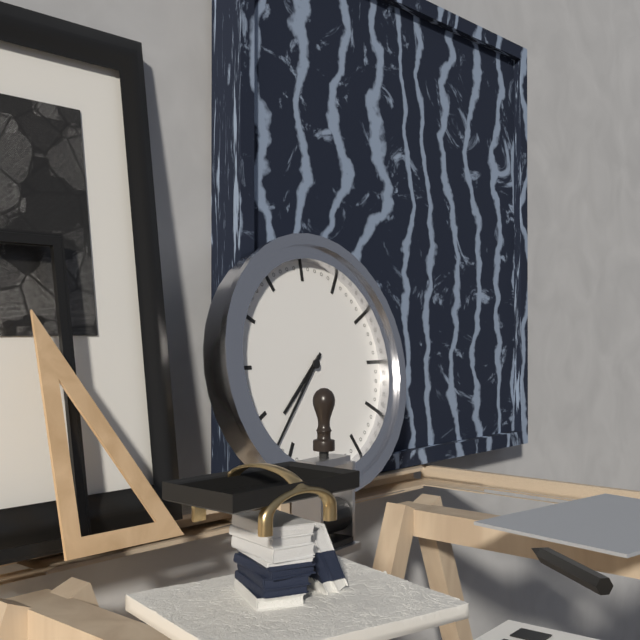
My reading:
7 h 37 min
